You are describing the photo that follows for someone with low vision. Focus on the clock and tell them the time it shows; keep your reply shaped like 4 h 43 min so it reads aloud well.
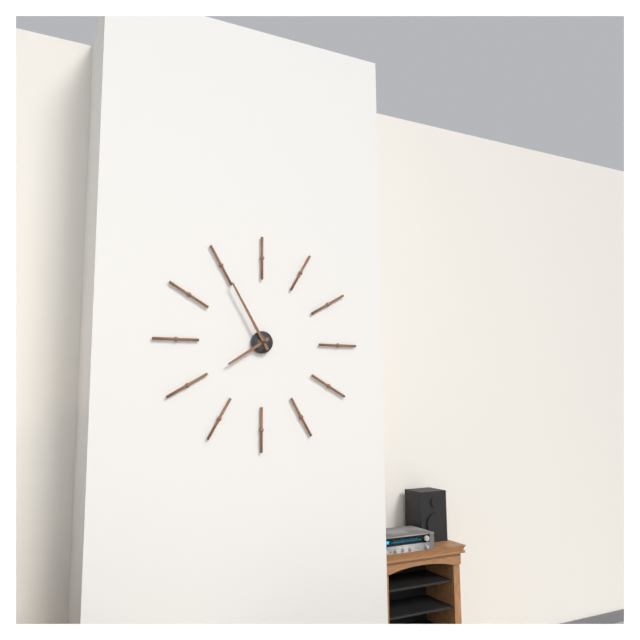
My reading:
7 h 55 min
